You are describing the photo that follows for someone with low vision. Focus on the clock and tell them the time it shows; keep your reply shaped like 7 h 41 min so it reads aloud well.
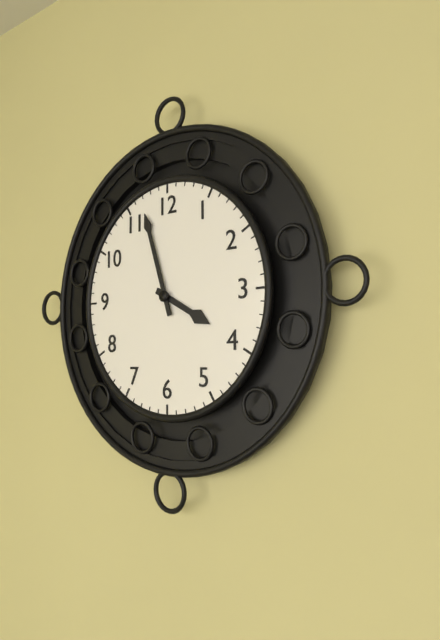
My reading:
3 h 57 min
